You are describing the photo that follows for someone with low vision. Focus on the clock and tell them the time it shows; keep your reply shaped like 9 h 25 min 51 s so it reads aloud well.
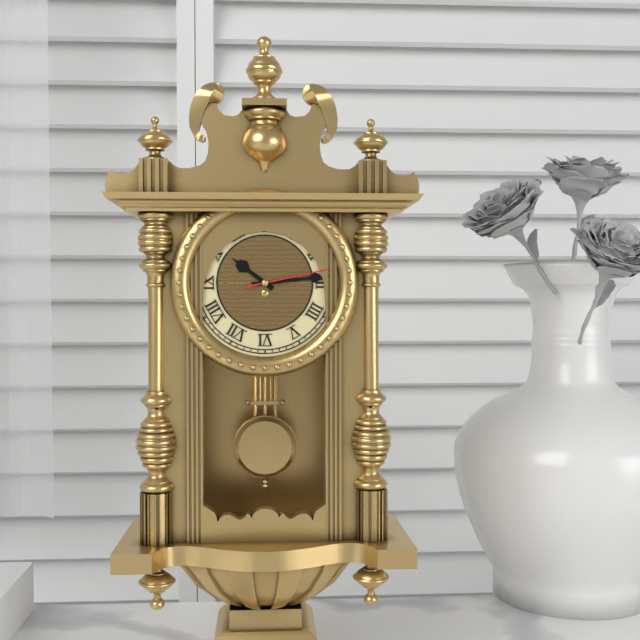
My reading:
10 h 14 min 13 s
